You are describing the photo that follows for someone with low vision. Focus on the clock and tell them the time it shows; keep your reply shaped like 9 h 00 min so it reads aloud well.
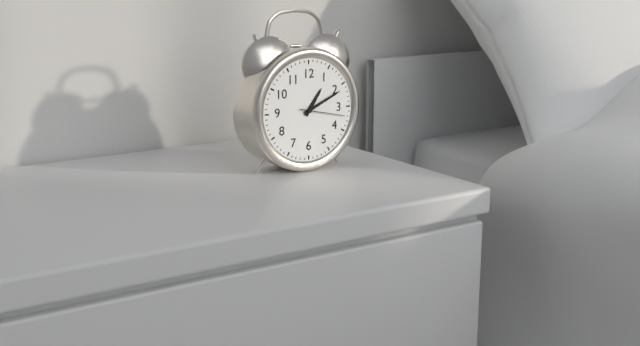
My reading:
1 h 11 min
